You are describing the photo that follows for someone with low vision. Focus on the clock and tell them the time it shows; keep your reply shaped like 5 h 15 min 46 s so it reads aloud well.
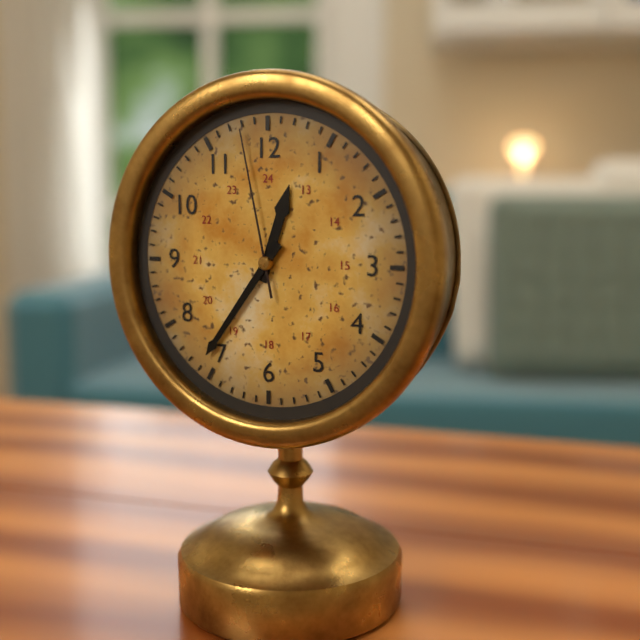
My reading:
12 h 36 min 58 s
